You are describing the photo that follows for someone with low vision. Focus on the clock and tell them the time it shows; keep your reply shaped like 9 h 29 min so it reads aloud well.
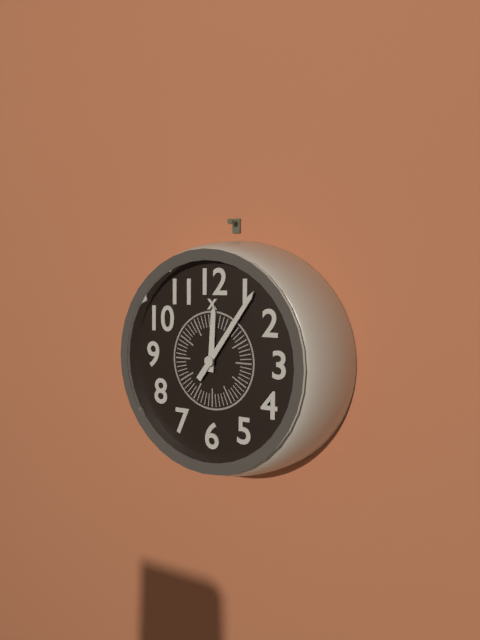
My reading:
12 h 06 min
